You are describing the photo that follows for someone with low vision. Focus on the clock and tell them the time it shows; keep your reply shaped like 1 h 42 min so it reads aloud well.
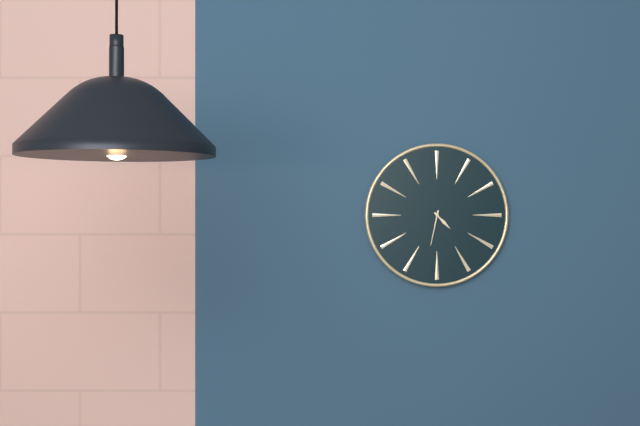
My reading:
4 h 32 min
